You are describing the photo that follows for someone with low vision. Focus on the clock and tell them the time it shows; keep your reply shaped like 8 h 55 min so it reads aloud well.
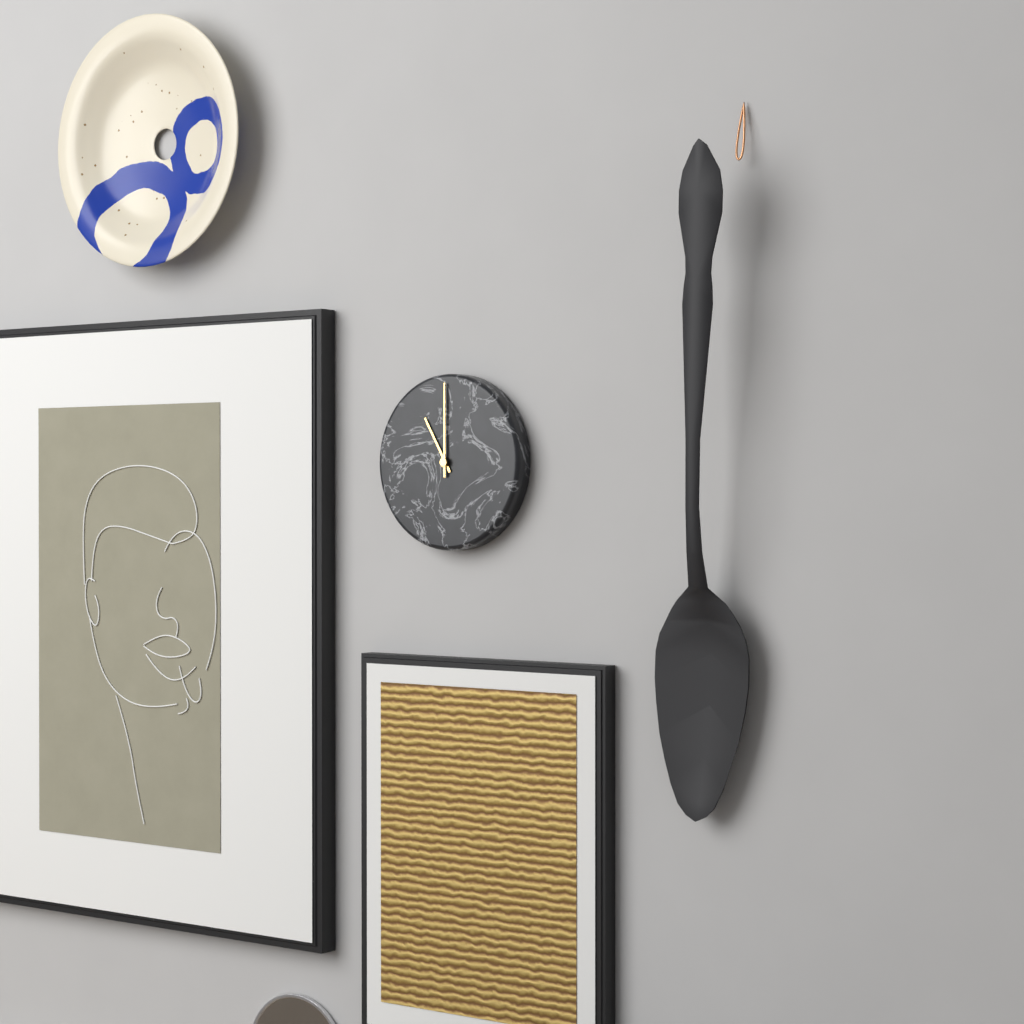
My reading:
11 h 00 min
